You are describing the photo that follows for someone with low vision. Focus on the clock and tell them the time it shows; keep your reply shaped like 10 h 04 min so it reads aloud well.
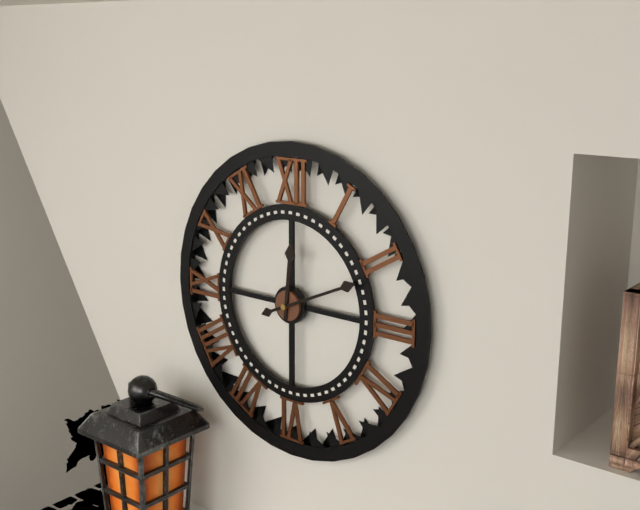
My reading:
12 h 11 min
